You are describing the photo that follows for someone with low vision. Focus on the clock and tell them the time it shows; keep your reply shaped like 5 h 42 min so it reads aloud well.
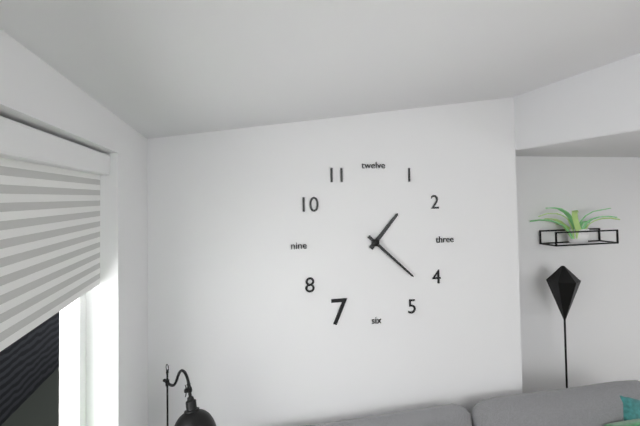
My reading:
1 h 22 min
